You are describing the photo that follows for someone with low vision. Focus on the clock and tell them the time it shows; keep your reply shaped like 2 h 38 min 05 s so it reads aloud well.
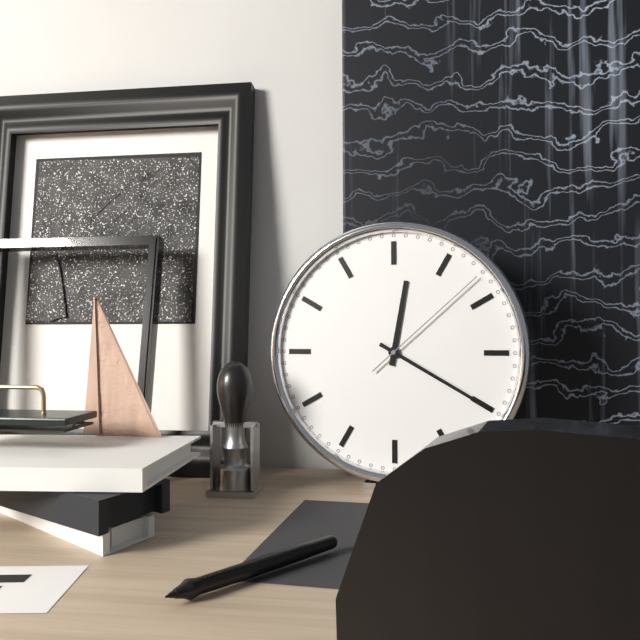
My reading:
12 h 20 min 08 s
